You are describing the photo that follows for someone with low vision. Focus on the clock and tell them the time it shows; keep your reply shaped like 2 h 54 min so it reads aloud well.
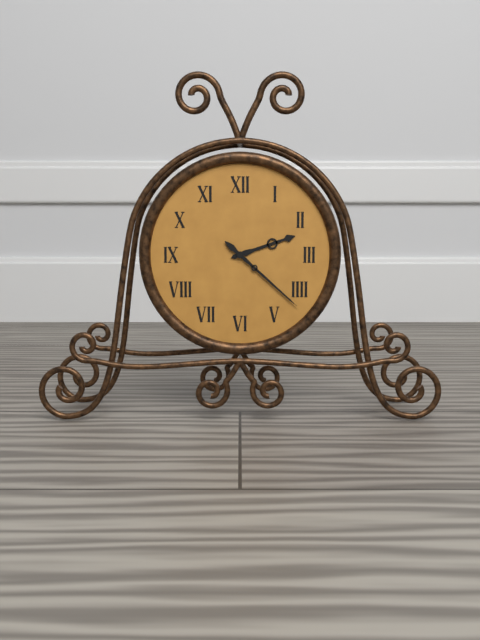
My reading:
2 h 22 min
